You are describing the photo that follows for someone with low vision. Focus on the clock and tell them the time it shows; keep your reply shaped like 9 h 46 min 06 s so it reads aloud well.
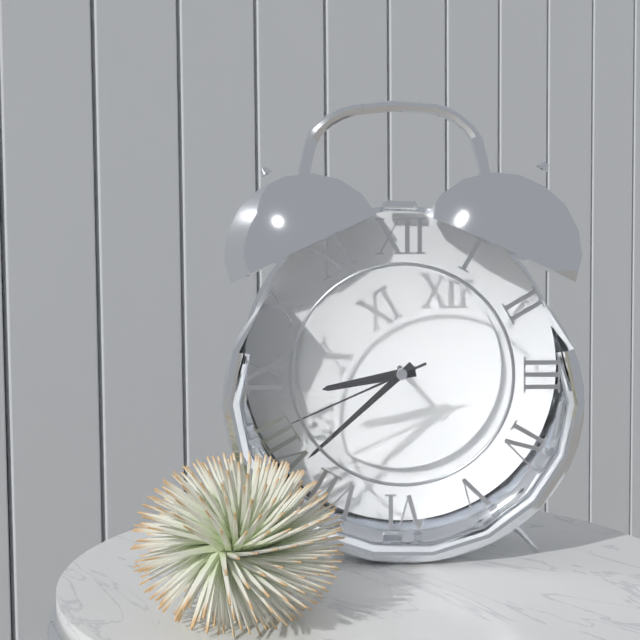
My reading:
8 h 38 min 41 s
